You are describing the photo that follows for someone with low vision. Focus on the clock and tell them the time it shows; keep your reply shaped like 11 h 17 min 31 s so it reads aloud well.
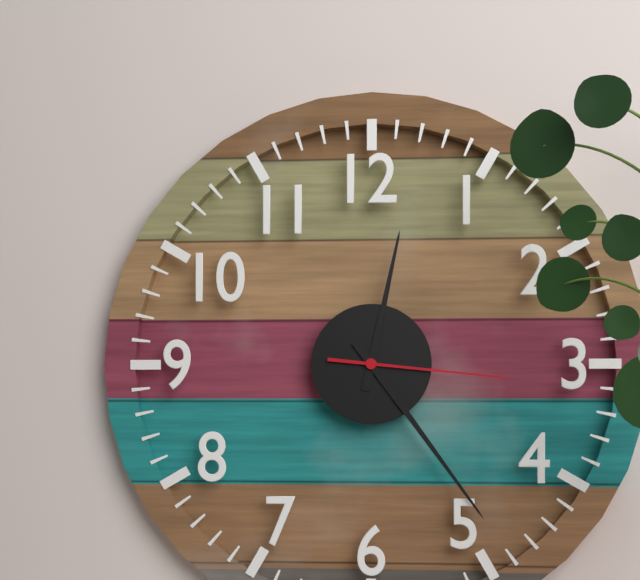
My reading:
12 h 24 min 16 s
